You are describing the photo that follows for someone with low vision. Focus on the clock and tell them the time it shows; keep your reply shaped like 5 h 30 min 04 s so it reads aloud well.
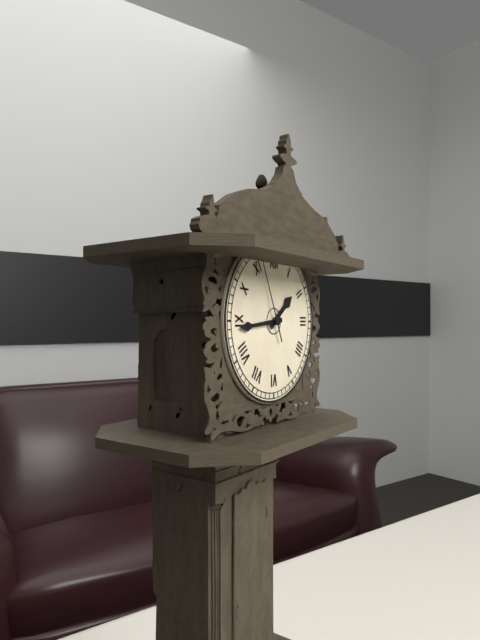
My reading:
1 h 44 min 56 s
